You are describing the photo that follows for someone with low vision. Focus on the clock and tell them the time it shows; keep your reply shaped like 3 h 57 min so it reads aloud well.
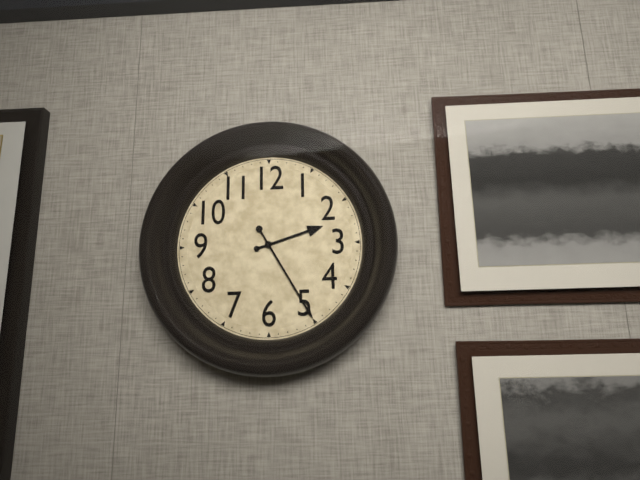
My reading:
2 h 25 min
